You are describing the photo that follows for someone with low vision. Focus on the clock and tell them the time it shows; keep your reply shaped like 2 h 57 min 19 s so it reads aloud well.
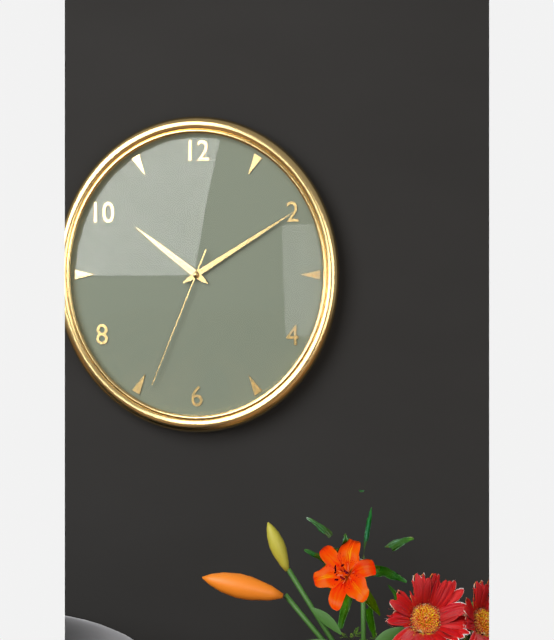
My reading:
10 h 10 min 34 s
